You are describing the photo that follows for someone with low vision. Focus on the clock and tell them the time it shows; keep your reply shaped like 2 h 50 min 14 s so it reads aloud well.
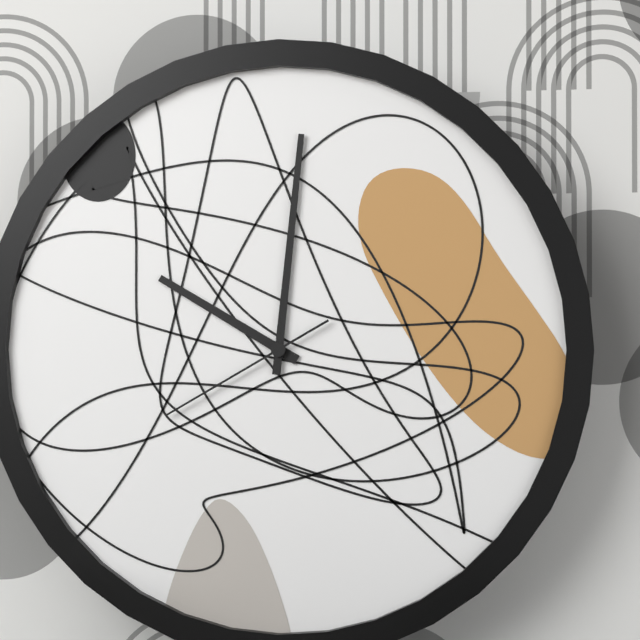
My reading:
10 h 01 min 40 s
